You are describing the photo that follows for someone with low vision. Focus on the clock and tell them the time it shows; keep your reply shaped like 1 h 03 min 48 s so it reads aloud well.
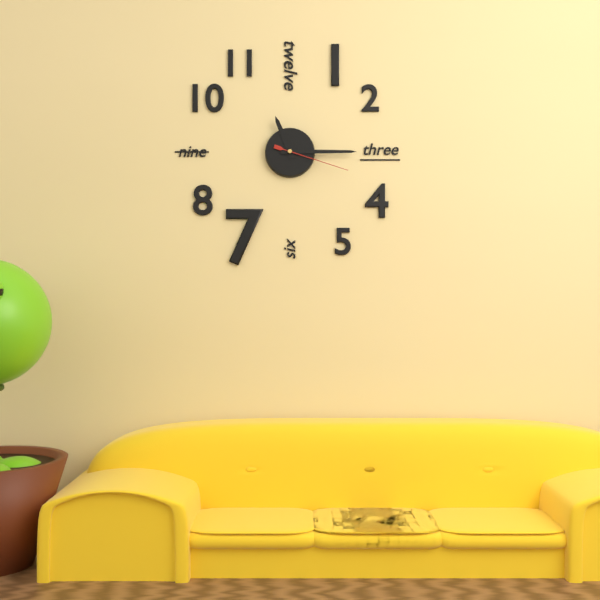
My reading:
11 h 15 min 18 s
